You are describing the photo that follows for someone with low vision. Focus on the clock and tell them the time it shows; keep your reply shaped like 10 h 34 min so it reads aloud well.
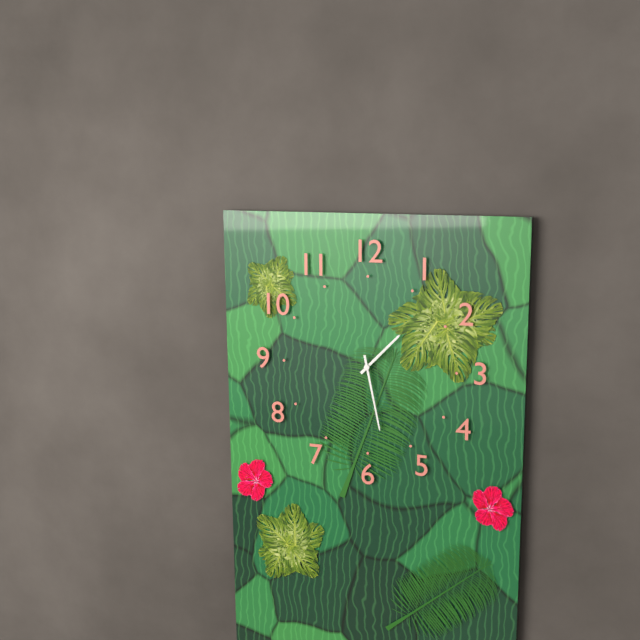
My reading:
1 h 28 min
